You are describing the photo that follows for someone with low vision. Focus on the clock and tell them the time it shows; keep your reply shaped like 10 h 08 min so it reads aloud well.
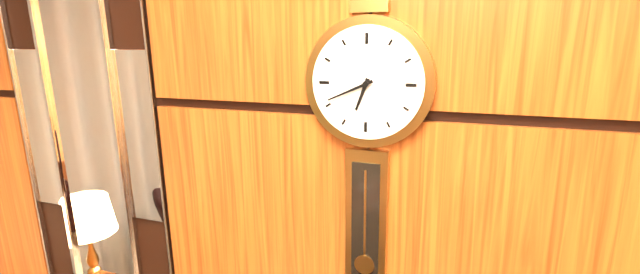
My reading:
6 h 41 min
